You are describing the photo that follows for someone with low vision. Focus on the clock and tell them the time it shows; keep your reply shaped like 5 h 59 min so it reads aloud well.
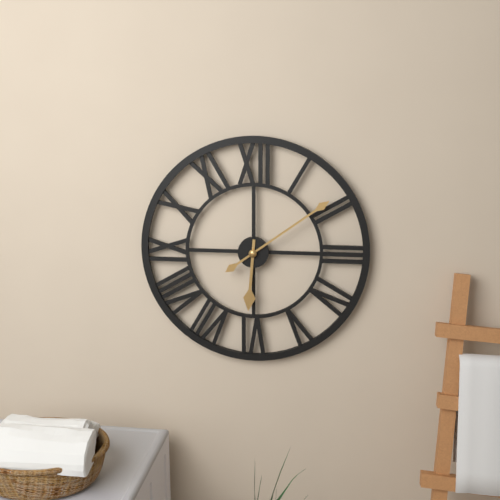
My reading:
6 h 09 min
